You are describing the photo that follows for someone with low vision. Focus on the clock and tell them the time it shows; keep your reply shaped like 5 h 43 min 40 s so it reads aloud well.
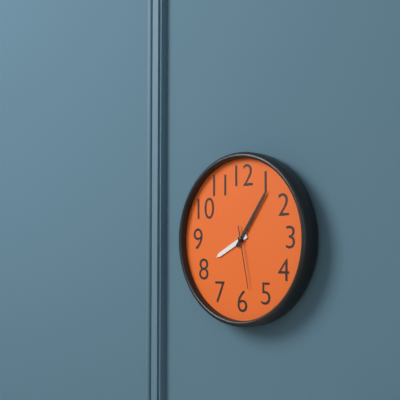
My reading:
8 h 06 min 28 s
